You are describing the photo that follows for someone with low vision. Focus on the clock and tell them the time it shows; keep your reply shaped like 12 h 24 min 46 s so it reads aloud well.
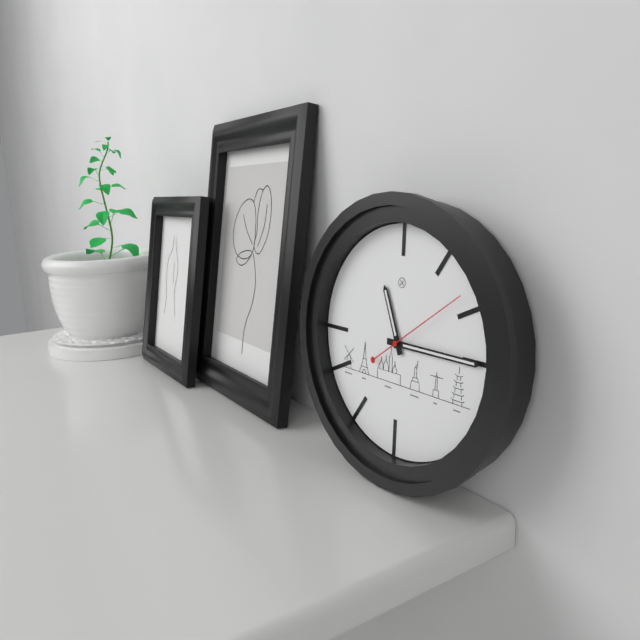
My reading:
11 h 15 min 09 s
